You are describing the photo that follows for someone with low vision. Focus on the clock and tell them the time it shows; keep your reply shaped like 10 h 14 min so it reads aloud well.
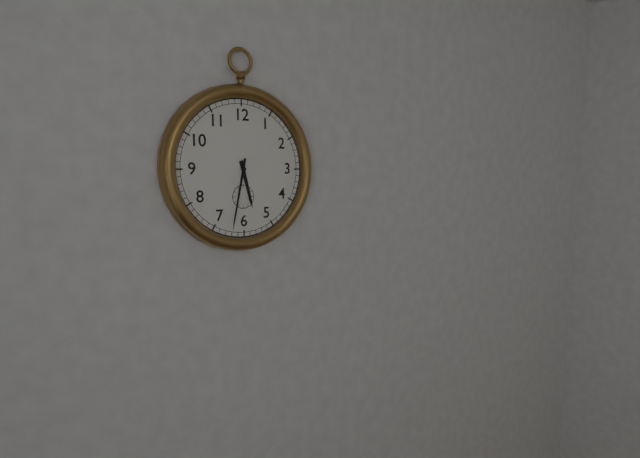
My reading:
5 h 32 min
